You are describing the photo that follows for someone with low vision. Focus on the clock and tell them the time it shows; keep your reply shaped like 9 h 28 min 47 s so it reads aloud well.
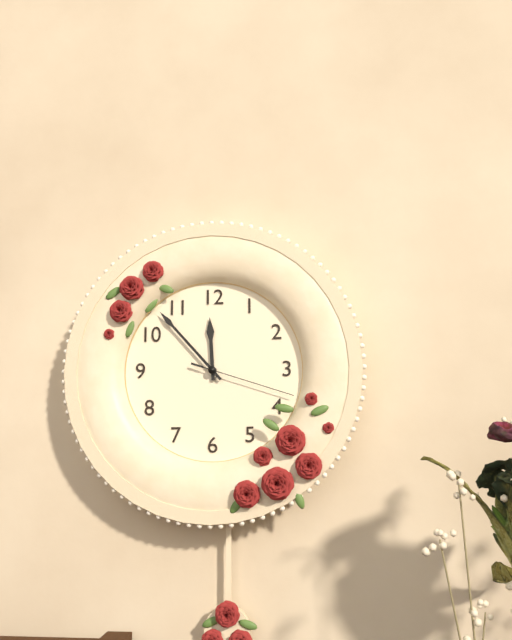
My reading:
11 h 53 min 18 s
